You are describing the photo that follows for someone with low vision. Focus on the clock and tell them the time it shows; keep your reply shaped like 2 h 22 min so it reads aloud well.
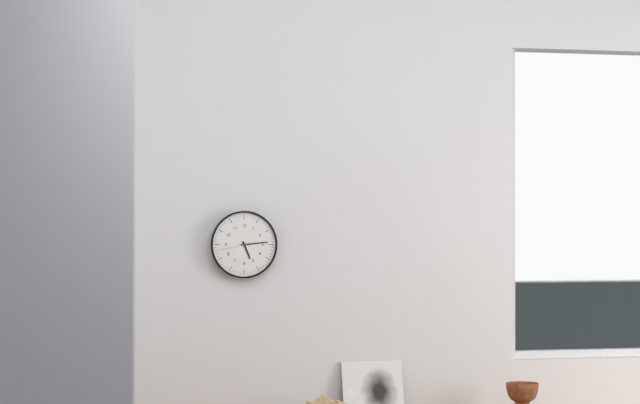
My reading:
5 h 14 min
